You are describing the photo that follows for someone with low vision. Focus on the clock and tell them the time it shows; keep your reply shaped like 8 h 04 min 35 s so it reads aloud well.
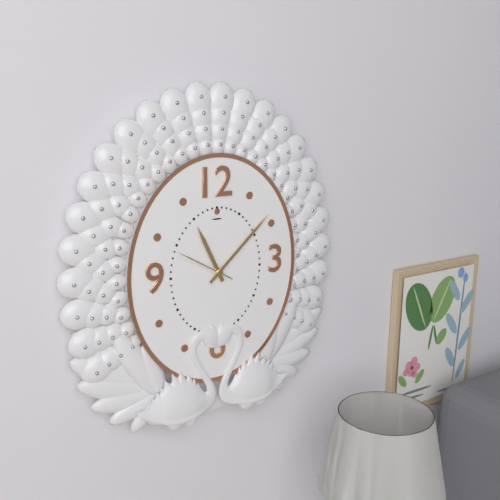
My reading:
11 h 08 min 50 s
